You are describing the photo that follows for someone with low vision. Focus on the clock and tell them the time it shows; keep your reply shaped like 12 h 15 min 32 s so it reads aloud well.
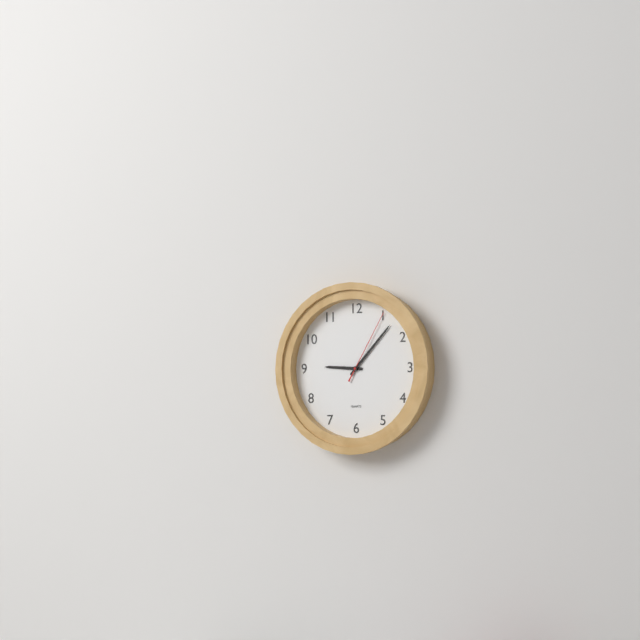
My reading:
9 h 07 min 05 s
